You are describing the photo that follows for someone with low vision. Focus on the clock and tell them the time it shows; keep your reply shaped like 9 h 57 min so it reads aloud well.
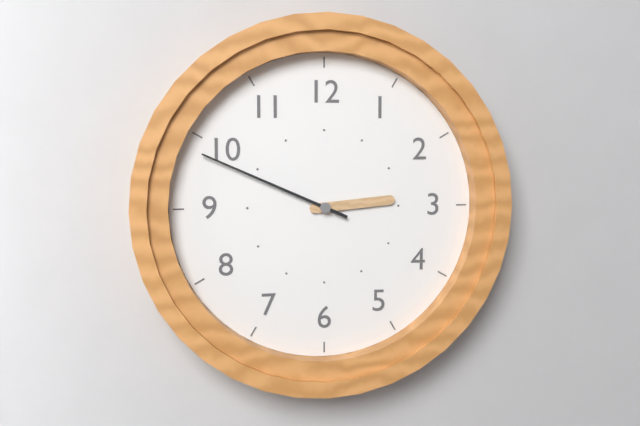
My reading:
2 h 49 min
